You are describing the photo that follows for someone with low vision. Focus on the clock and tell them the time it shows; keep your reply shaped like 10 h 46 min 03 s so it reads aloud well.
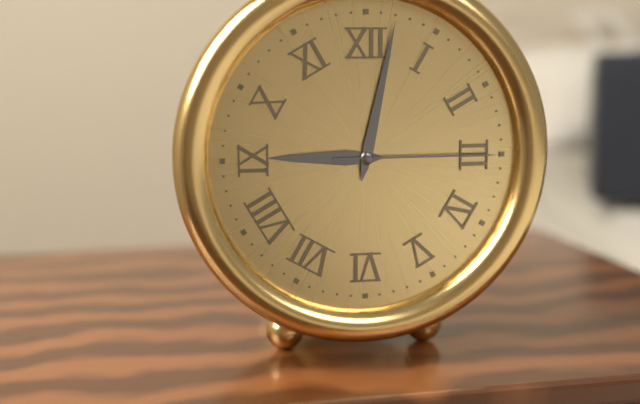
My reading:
9 h 02 min 15 s
